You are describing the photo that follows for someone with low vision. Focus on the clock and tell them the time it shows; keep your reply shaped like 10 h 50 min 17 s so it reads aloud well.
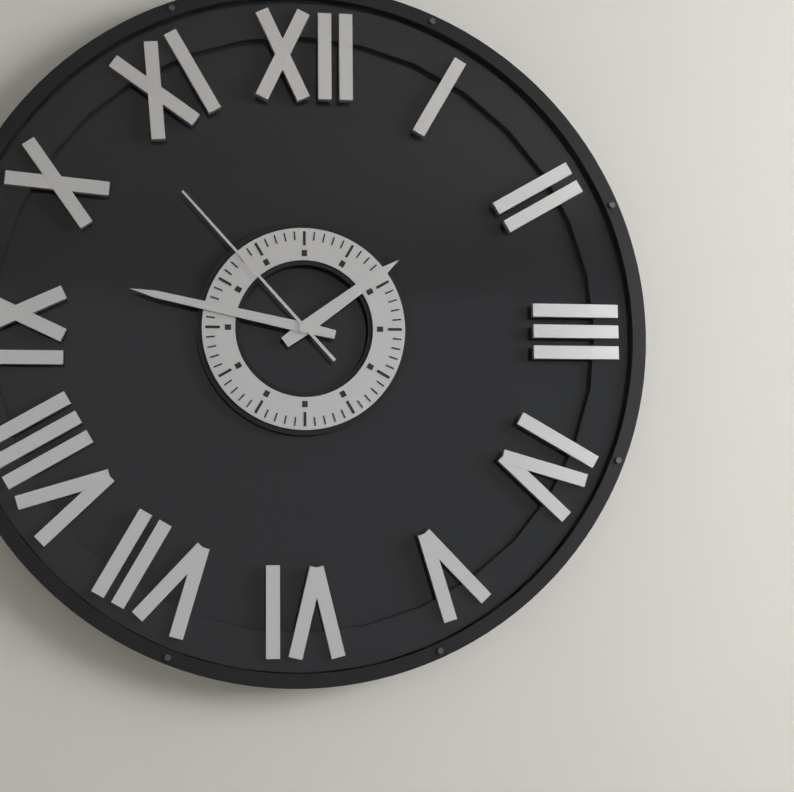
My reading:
1 h 47 min 53 s
